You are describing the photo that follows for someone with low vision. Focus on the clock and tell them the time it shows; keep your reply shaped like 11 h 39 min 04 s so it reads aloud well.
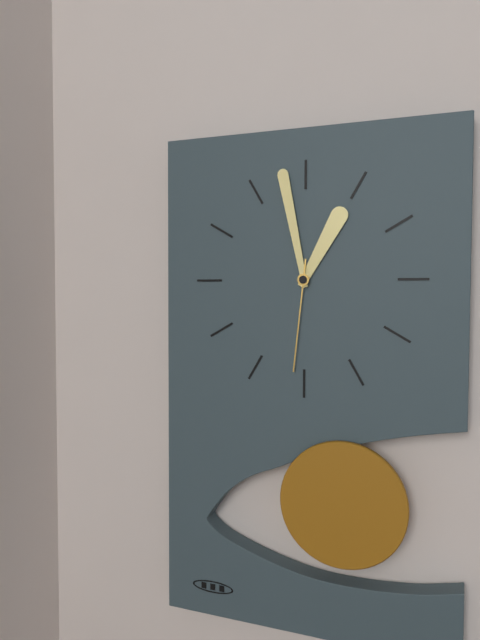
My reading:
12 h 58 min 31 s
